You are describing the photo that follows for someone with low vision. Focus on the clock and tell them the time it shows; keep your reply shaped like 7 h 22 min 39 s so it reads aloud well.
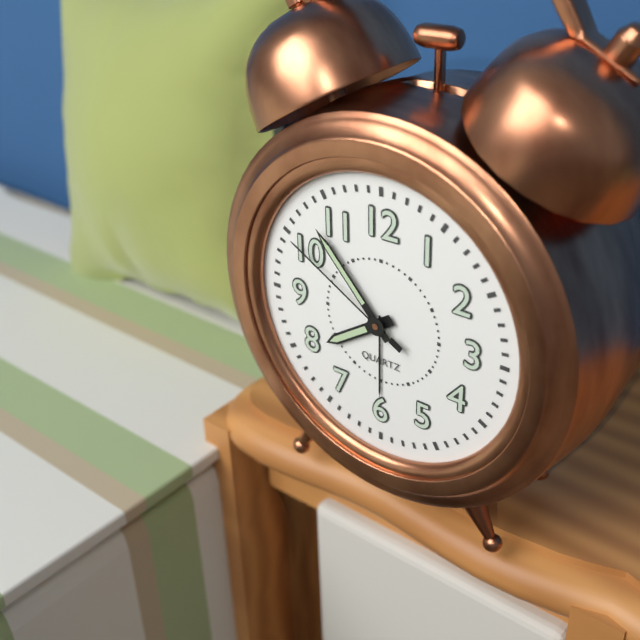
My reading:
7 h 53 min 50 s
